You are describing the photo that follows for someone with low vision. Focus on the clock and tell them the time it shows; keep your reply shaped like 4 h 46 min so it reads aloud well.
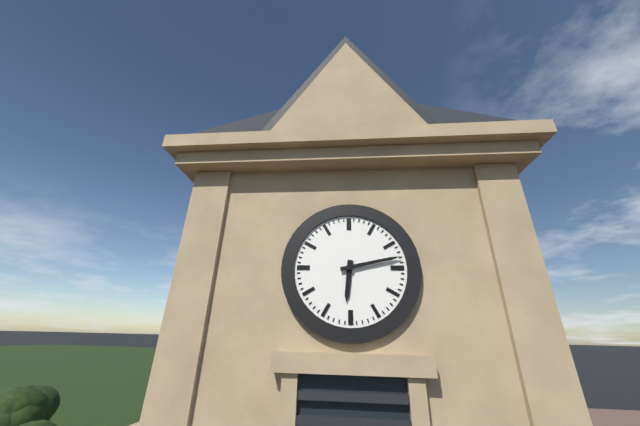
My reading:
6 h 13 min
